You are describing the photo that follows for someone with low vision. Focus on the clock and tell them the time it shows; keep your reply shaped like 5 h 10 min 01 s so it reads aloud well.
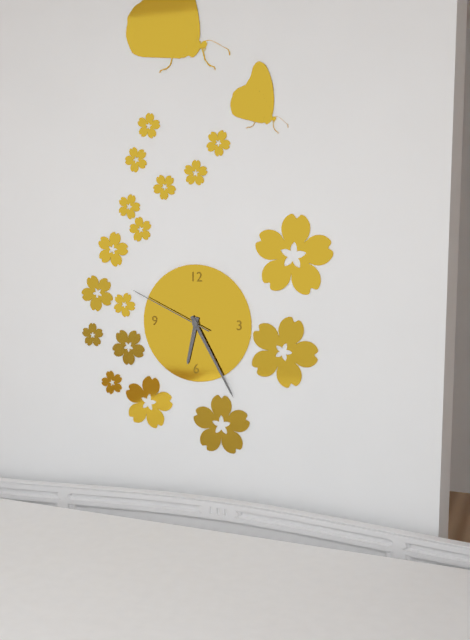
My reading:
6 h 25 min 49 s
